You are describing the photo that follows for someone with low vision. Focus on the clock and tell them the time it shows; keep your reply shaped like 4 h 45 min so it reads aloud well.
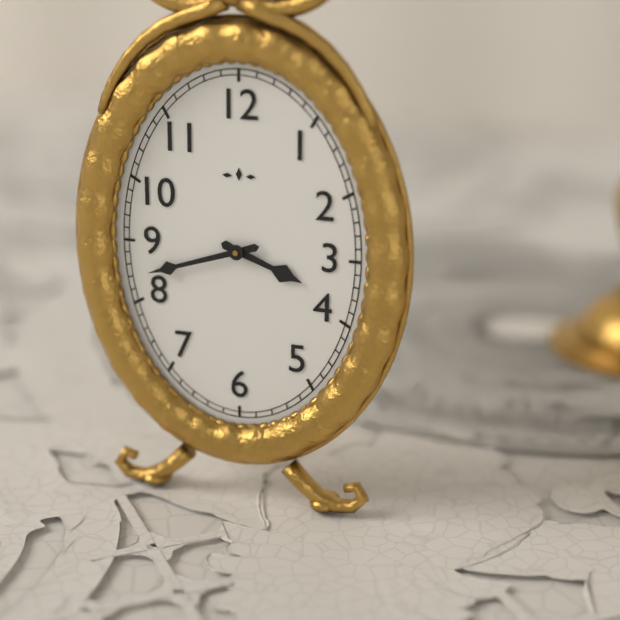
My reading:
3 h 42 min
